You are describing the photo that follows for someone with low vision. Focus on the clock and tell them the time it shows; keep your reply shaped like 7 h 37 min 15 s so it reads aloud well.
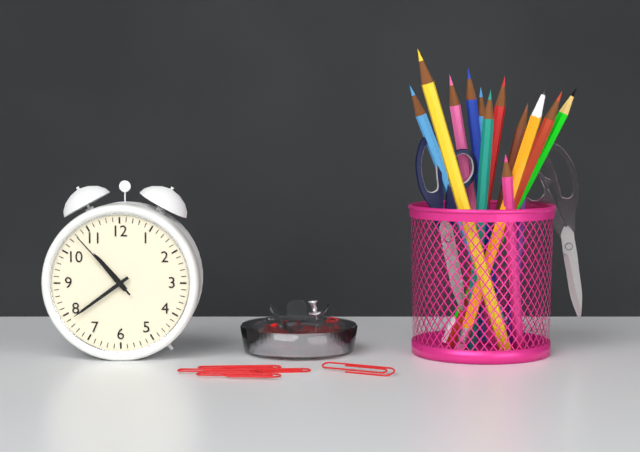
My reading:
10 h 39 min 53 s
